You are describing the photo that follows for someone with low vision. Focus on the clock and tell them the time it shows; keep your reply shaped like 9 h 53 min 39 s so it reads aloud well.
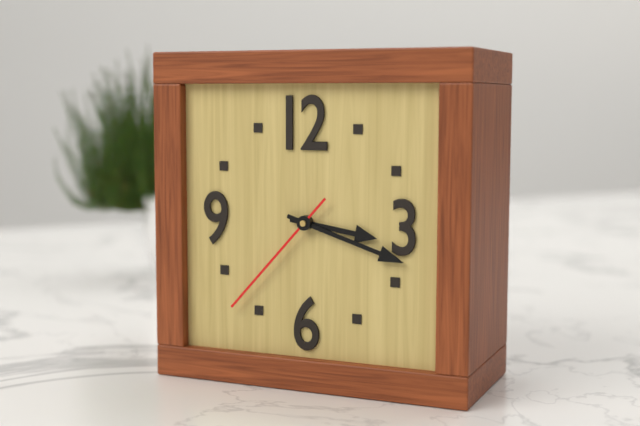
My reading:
3 h 18 min 37 s
